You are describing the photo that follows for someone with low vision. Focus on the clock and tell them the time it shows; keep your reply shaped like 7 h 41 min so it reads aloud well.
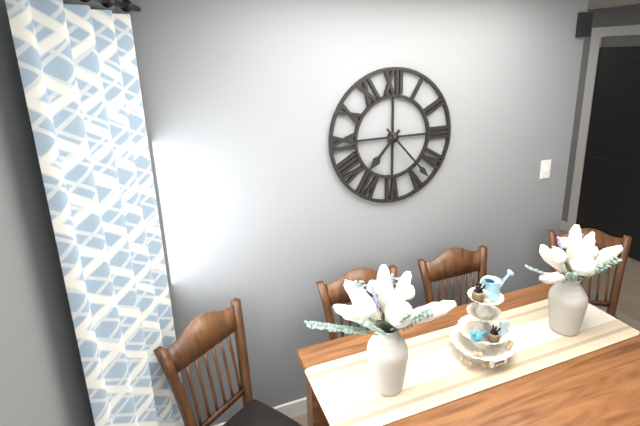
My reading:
7 h 23 min
